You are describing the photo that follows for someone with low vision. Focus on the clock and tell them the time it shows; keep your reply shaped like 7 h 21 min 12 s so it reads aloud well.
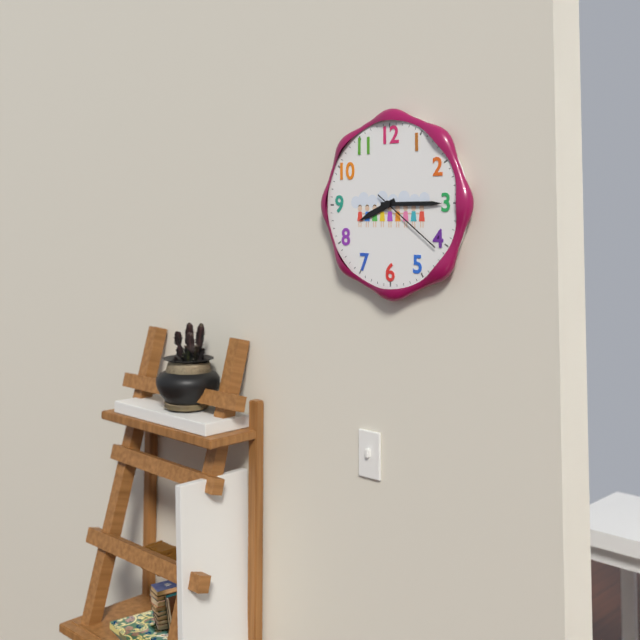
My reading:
8 h 15 min 21 s
